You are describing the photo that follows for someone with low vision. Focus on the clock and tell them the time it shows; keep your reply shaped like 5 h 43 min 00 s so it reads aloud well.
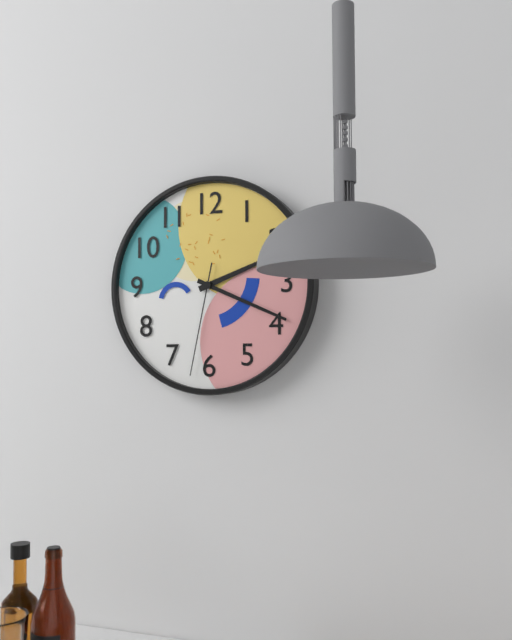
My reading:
2 h 19 min 32 s
